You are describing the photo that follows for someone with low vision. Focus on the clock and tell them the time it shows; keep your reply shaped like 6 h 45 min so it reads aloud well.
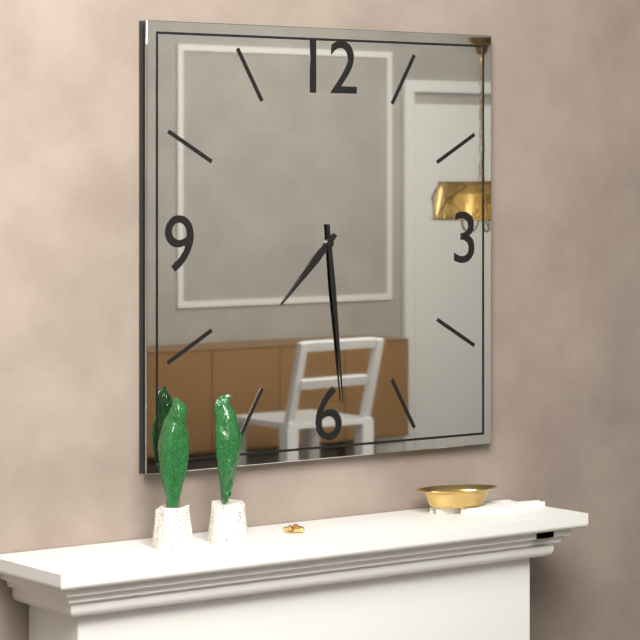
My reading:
7 h 29 min
